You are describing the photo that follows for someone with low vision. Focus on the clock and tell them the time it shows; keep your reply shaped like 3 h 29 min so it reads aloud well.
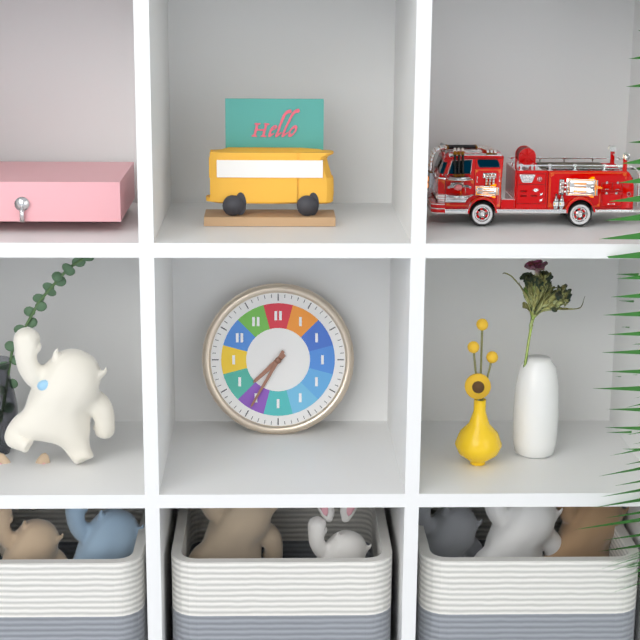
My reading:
7 h 35 min
